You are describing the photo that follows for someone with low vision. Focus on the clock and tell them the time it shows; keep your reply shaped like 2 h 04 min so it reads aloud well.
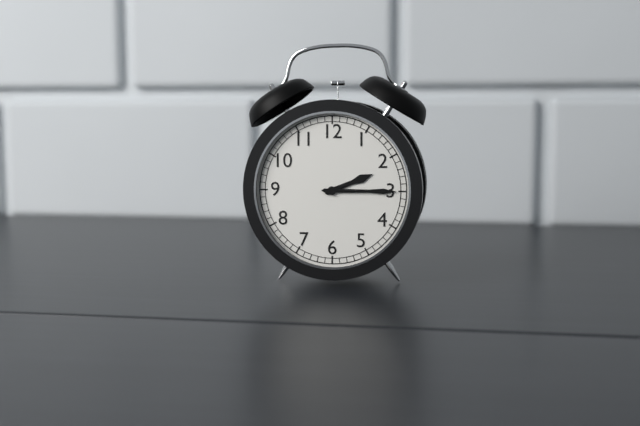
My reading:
2 h 15 min
